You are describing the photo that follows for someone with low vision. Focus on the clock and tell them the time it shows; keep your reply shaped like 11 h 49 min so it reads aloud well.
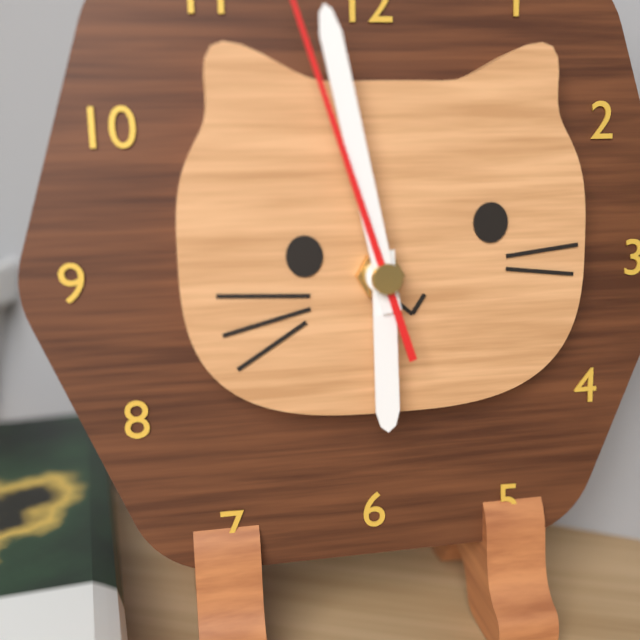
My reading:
5 h 58 min
